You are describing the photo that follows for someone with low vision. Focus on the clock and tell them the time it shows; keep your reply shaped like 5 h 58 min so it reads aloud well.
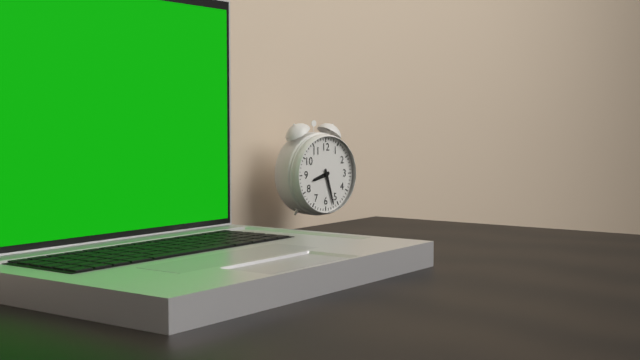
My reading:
8 h 27 min
